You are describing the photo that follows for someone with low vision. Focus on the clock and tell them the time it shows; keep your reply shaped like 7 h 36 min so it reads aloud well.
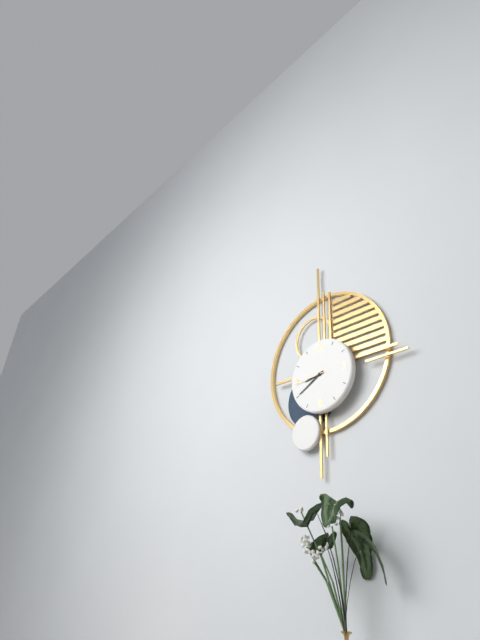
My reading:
8 h 40 min
